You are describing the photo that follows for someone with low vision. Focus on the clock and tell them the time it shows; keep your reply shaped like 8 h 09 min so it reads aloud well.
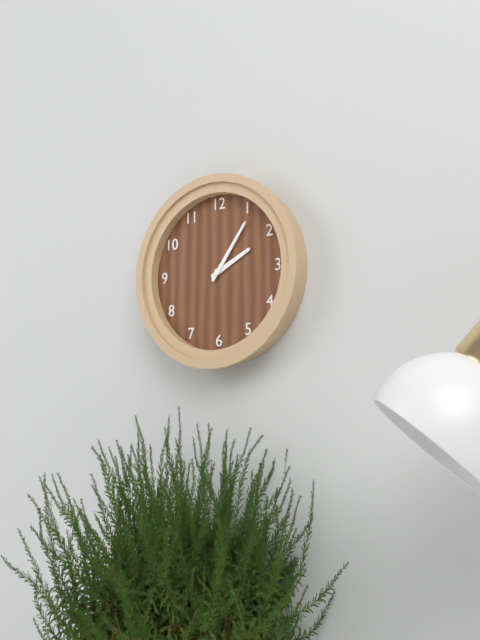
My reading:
2 h 06 min
